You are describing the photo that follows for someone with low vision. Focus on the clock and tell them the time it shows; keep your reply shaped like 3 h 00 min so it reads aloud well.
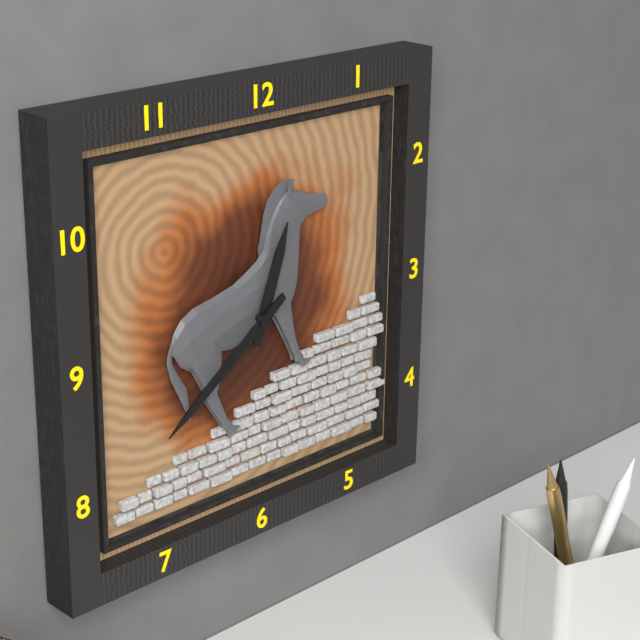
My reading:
12 h 39 min
